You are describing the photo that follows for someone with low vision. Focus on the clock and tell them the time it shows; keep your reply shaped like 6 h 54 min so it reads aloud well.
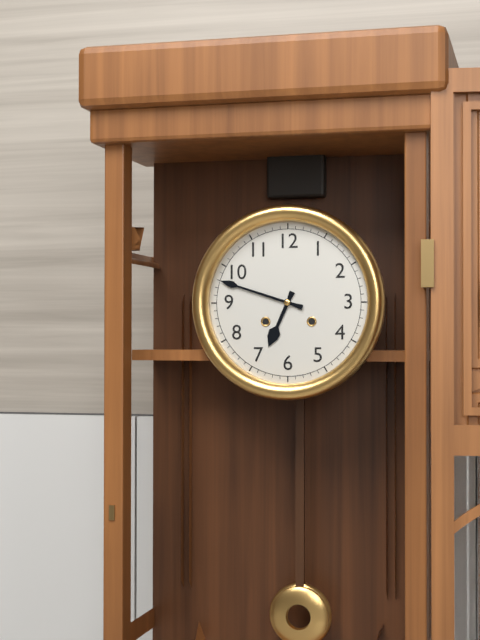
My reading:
6 h 48 min
